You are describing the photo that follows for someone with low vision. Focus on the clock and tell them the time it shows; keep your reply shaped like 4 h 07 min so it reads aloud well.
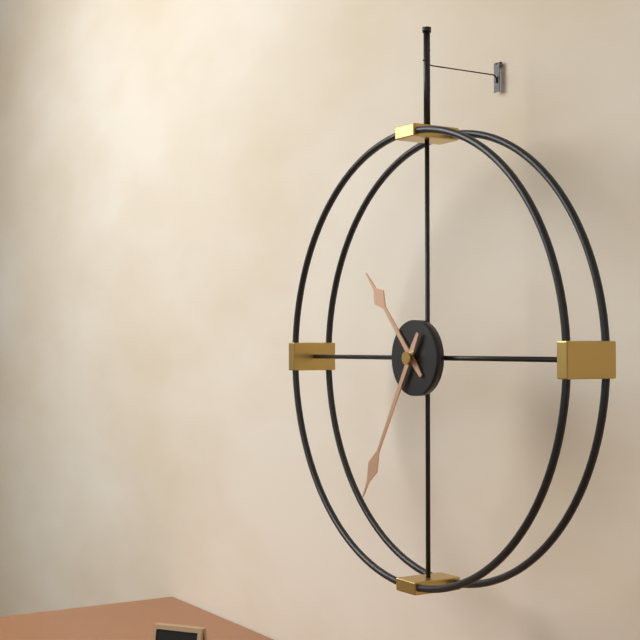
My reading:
10 h 35 min
